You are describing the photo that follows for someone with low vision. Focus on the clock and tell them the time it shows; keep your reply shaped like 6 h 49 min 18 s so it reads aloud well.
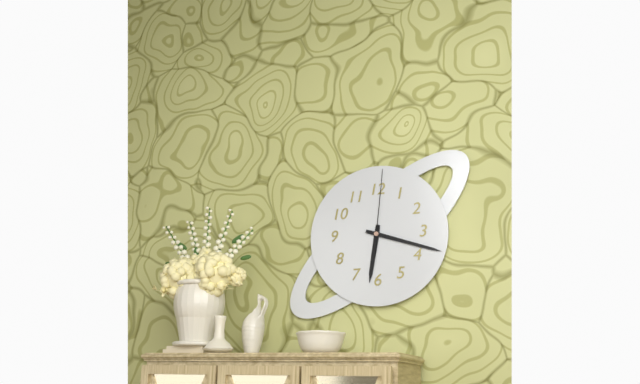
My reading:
6 h 18 min 01 s
